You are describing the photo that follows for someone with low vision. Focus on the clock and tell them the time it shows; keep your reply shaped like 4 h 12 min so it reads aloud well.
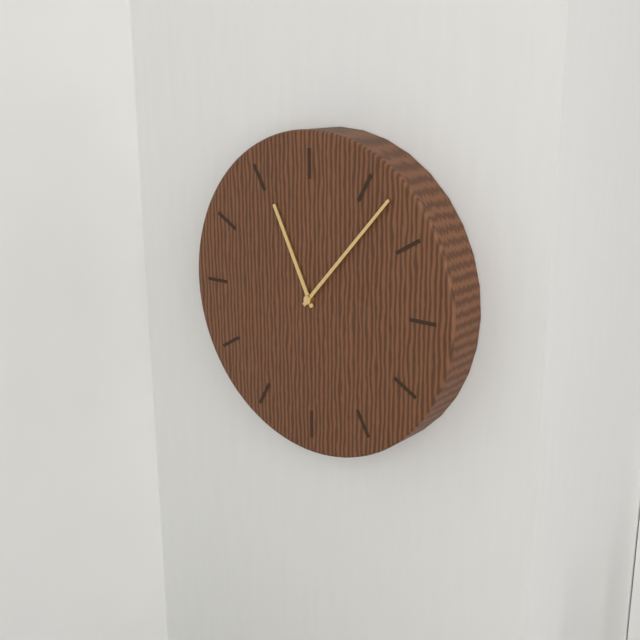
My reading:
11 h 07 min
